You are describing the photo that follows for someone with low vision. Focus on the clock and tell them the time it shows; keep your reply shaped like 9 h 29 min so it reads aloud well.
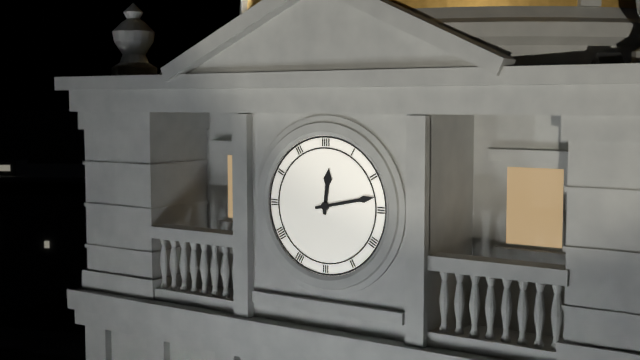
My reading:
12 h 13 min
